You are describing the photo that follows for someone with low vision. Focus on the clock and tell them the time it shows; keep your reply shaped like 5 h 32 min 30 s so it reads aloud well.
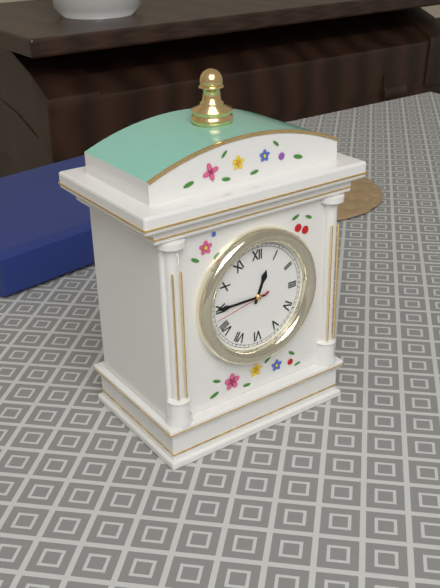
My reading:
12 h 45 min 43 s
